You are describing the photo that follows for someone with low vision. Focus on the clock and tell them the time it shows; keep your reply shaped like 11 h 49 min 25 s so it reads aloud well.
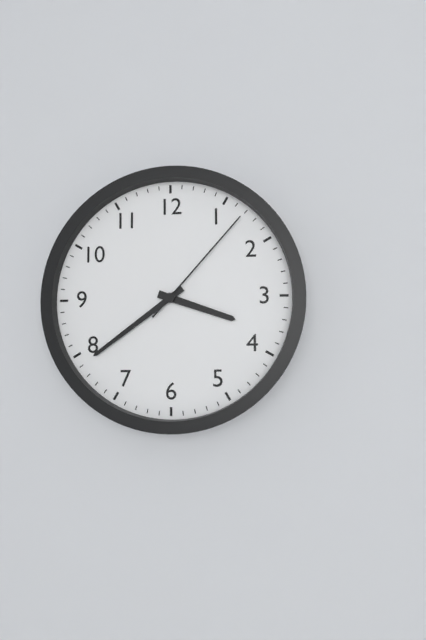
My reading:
3 h 39 min 07 s
